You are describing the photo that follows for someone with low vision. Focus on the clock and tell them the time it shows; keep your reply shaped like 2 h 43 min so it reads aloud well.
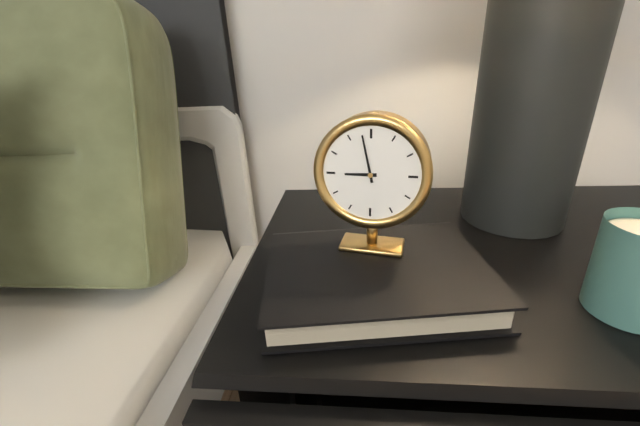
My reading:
8 h 58 min
